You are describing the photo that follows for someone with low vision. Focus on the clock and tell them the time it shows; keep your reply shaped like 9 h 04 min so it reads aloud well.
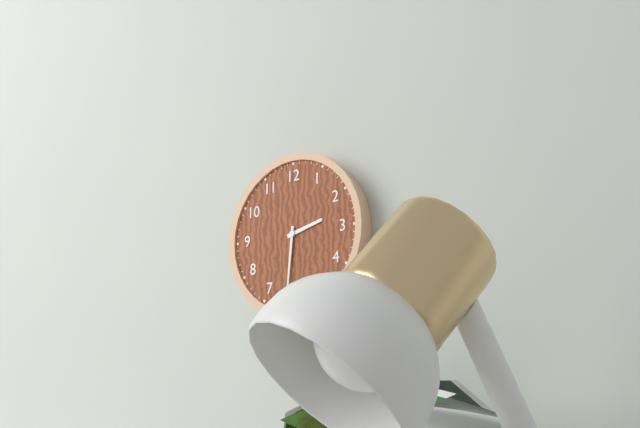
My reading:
2 h 31 min
